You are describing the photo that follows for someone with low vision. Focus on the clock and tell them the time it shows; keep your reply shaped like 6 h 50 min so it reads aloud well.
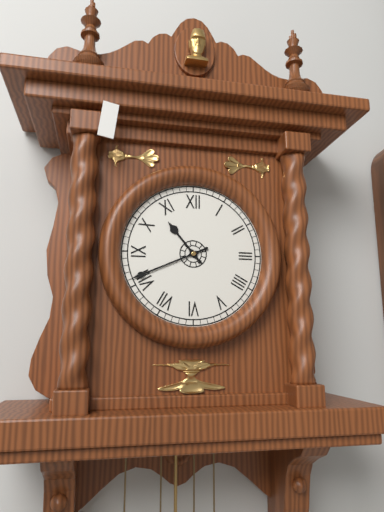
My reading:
10 h 41 min
